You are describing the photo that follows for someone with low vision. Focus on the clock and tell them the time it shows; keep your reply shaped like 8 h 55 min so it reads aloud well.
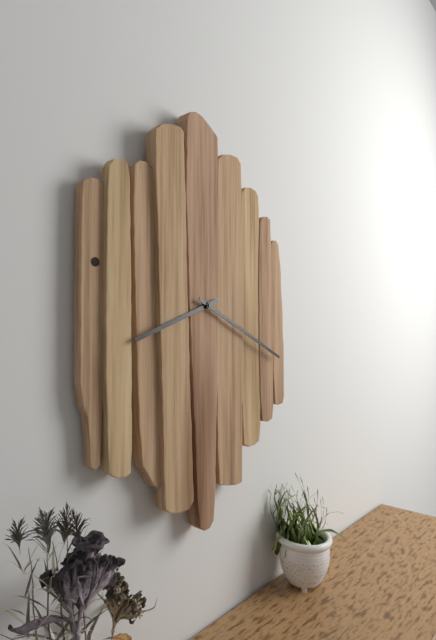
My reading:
8 h 19 min
